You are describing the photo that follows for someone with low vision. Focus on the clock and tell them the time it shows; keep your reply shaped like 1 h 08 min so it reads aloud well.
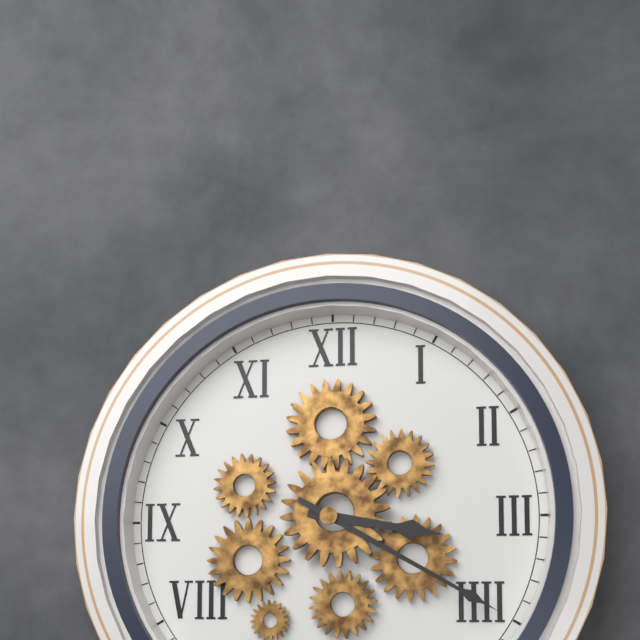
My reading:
3 h 20 min
